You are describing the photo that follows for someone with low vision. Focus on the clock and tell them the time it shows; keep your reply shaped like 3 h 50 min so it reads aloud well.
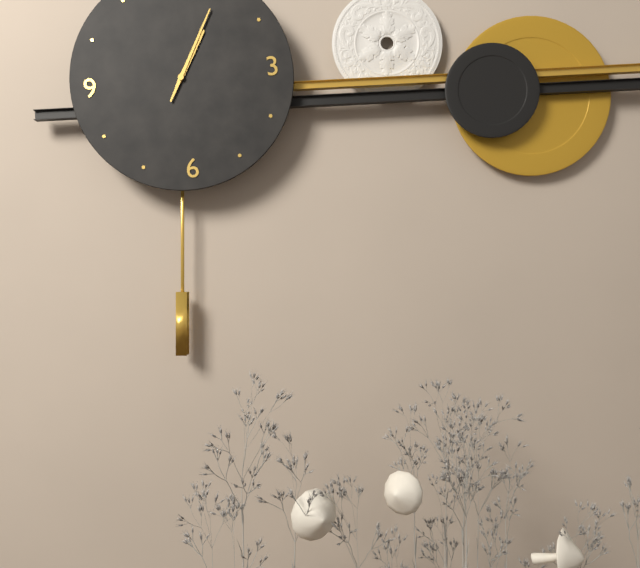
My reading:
1 h 05 min
